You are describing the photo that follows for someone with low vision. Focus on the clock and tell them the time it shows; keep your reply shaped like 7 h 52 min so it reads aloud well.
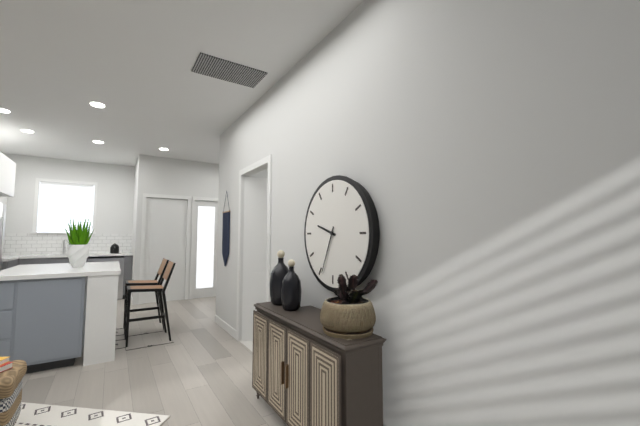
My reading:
9 h 34 min
